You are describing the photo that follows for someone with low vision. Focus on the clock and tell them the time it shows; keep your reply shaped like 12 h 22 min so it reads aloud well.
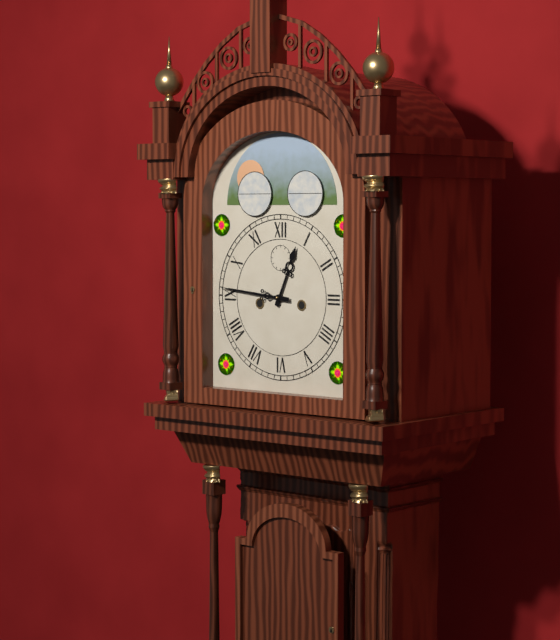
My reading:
12 h 46 min
